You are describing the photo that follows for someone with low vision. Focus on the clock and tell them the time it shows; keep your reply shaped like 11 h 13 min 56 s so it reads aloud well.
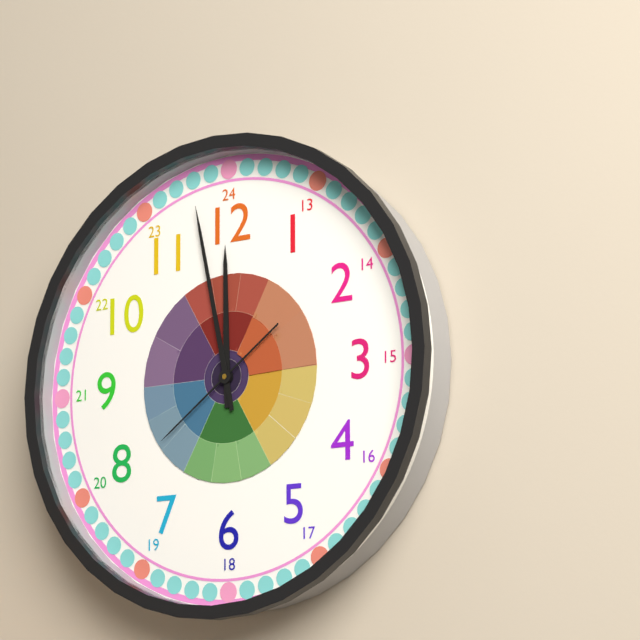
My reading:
11 h 58 min 39 s
